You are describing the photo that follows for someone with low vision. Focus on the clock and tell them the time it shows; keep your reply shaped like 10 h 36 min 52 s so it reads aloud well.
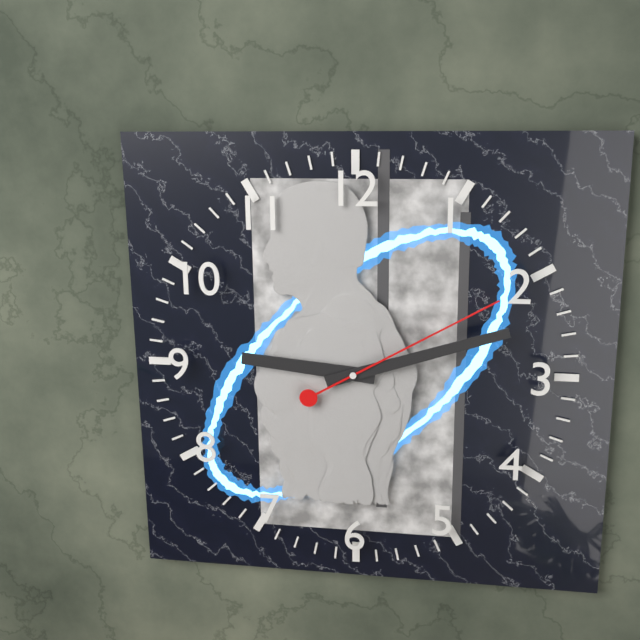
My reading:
9 h 12 min 10 s
